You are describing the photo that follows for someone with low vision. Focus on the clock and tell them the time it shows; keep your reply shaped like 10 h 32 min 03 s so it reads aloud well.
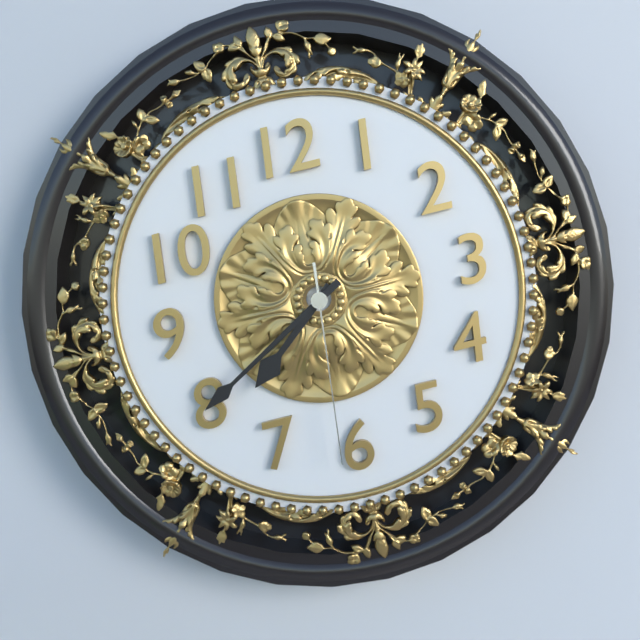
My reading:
7 h 40 min 31 s
